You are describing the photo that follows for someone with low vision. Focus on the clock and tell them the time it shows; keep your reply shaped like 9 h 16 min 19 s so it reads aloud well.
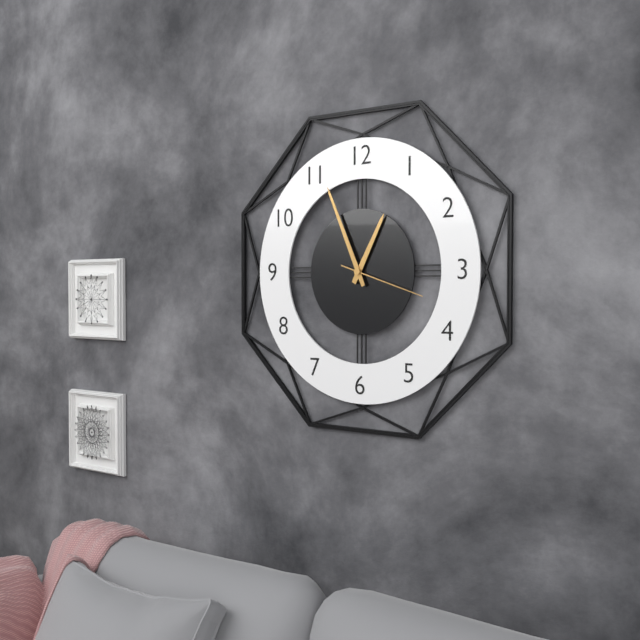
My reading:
12 h 56 min 18 s
